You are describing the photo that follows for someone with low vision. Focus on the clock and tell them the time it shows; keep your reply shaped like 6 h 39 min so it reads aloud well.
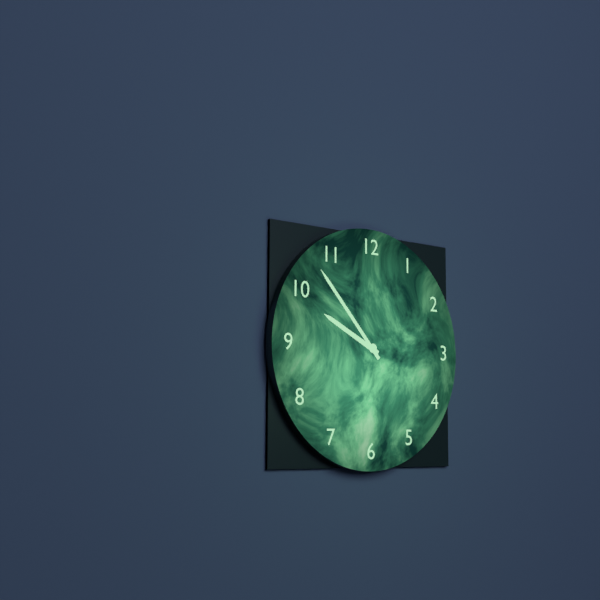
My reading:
9 h 53 min
